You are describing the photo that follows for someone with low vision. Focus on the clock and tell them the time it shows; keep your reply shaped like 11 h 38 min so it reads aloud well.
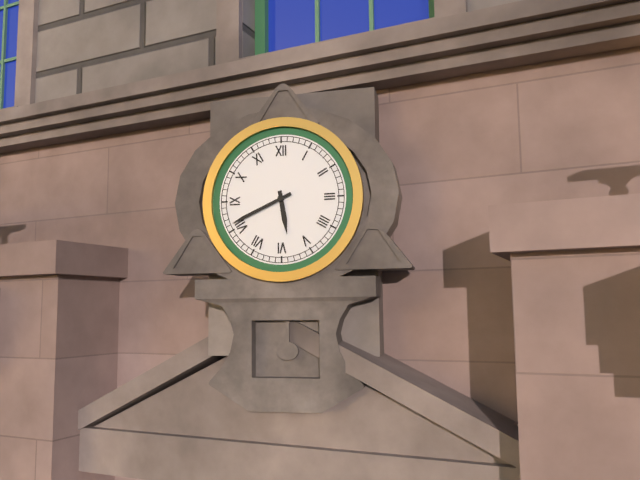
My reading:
5 h 41 min
